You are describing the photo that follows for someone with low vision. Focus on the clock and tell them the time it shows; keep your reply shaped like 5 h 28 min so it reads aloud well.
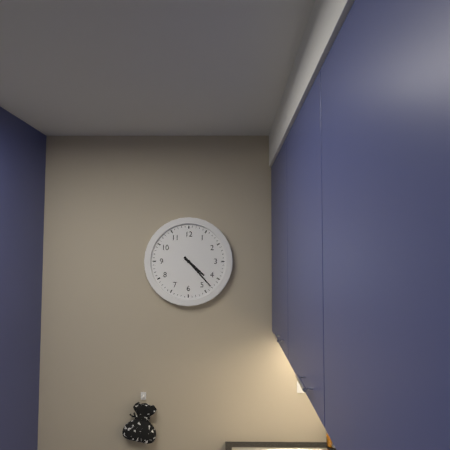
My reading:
4 h 23 min
